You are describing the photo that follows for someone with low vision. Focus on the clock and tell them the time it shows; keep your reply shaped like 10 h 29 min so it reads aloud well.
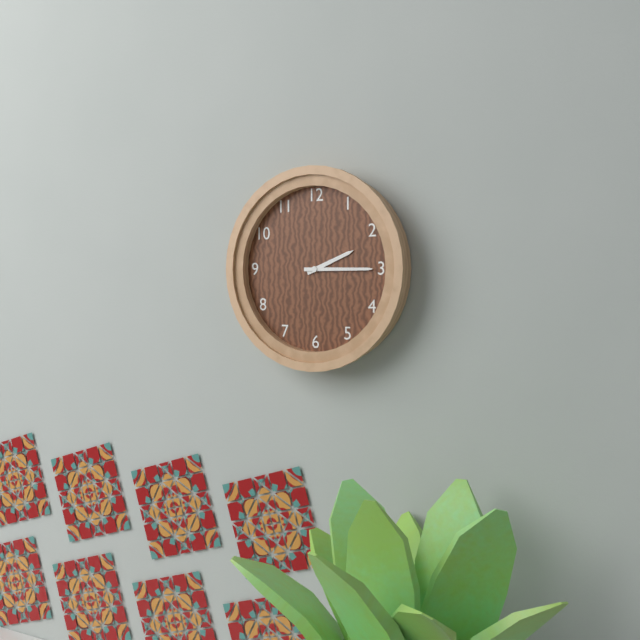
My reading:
2 h 15 min
